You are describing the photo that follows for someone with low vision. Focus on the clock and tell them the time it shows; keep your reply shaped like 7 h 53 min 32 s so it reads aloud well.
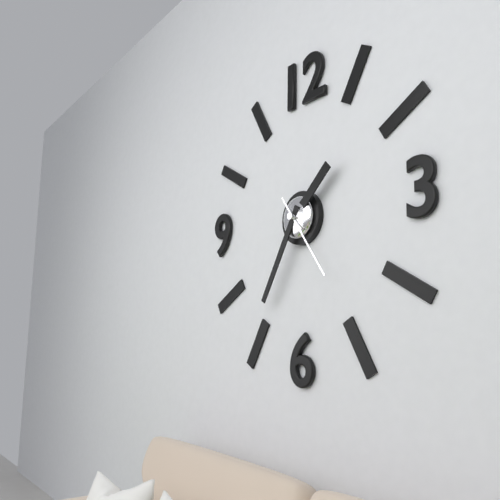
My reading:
1 h 35 min 24 s
